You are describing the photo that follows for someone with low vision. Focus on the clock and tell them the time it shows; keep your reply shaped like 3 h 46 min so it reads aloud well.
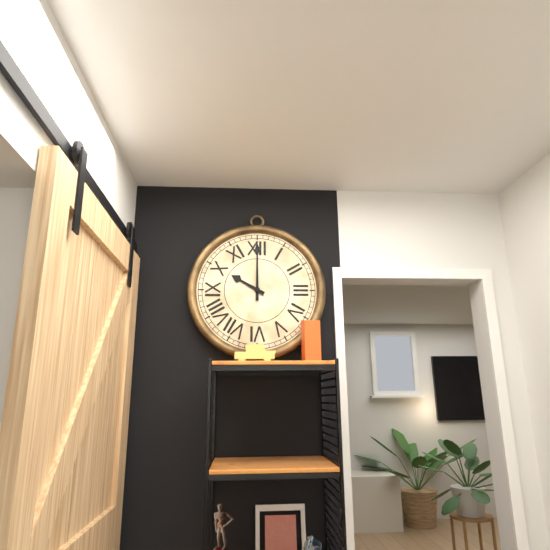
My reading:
10 h 00 min
